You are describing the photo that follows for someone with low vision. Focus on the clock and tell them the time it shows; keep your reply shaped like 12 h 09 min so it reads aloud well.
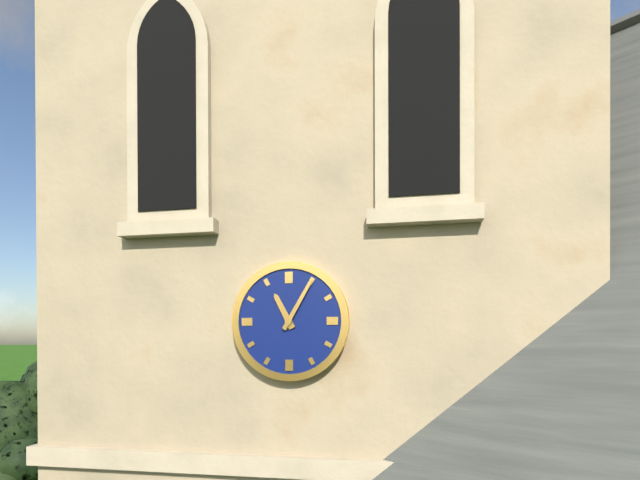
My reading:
11 h 05 min
